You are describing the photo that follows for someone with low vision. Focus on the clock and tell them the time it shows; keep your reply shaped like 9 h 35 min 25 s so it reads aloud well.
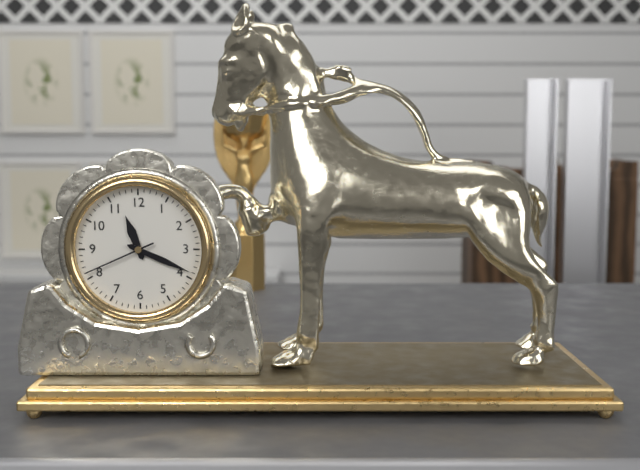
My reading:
11 h 19 min 41 s
